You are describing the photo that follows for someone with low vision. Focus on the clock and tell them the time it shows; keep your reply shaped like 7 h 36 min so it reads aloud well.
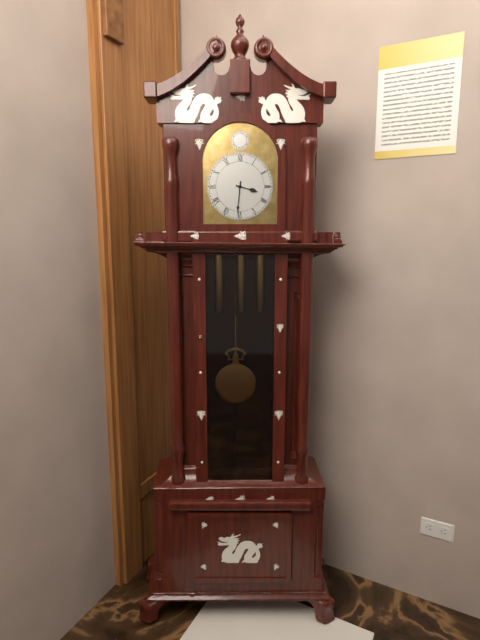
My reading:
3 h 31 min
